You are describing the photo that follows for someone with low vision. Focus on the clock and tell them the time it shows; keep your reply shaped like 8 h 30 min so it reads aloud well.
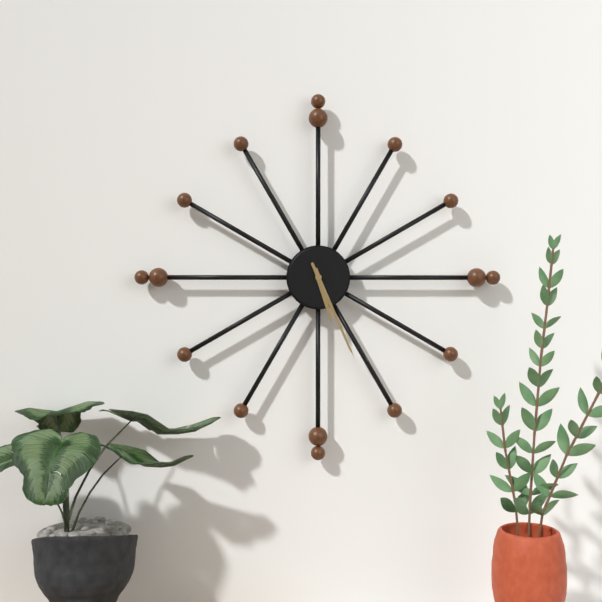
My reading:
5 h 26 min
